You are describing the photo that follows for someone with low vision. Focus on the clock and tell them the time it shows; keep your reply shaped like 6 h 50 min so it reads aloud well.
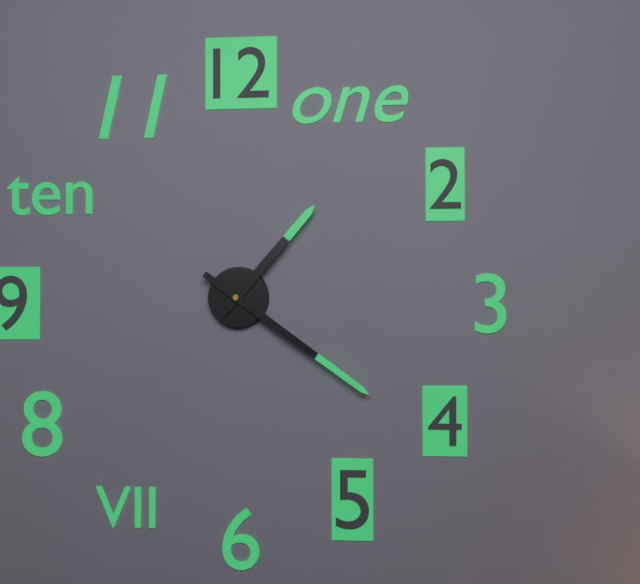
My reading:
1 h 21 min
